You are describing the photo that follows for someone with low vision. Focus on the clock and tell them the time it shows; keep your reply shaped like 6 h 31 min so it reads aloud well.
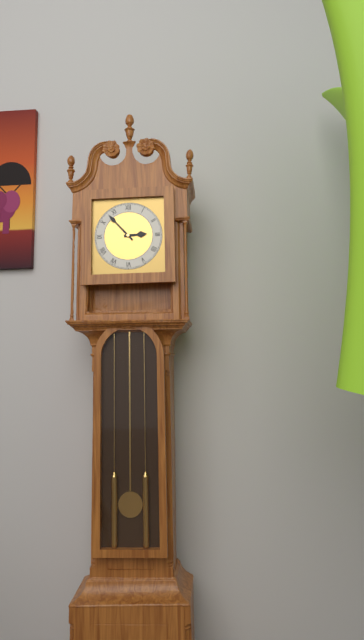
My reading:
2 h 53 min
